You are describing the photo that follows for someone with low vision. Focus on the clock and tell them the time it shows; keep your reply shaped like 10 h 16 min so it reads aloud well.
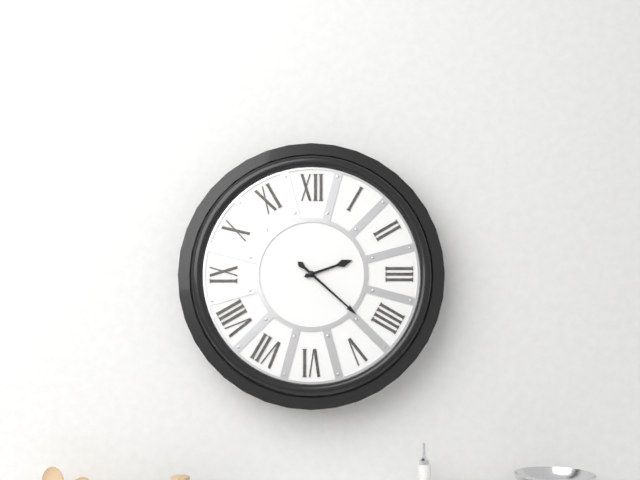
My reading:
2 h 22 min
